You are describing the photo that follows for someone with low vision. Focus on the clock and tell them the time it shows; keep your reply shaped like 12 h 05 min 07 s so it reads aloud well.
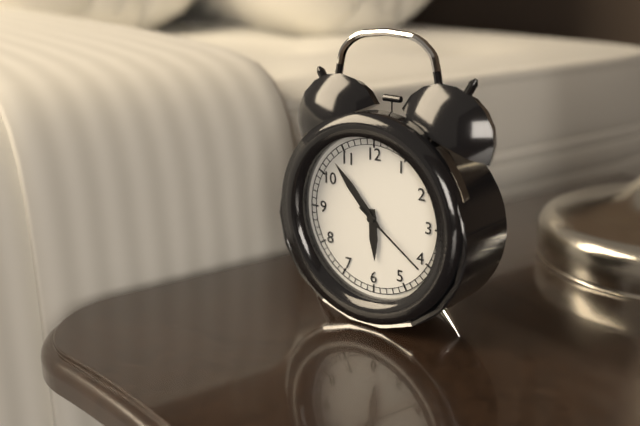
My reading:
5 h 53 min 21 s
